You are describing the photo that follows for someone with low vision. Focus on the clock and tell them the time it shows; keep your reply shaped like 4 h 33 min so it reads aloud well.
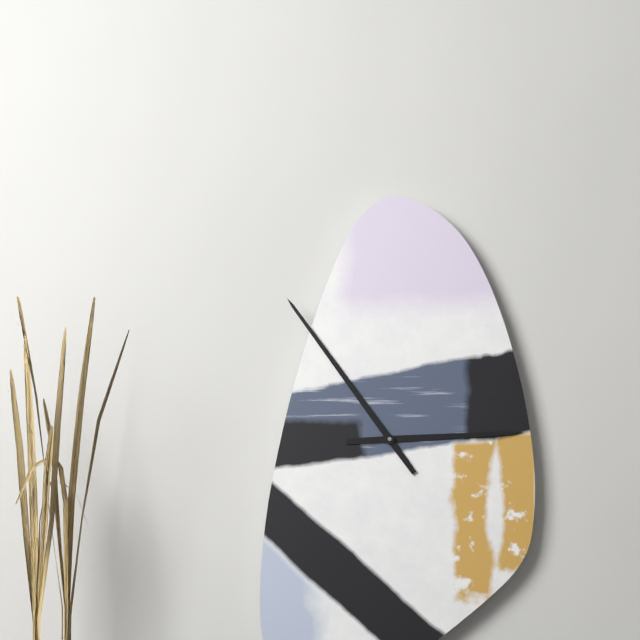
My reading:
2 h 54 min
